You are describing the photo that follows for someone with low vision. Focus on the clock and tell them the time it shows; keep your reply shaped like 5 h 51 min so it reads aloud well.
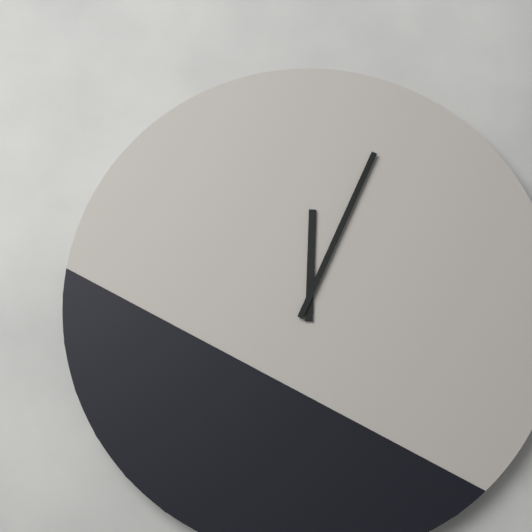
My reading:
12 h 04 min
